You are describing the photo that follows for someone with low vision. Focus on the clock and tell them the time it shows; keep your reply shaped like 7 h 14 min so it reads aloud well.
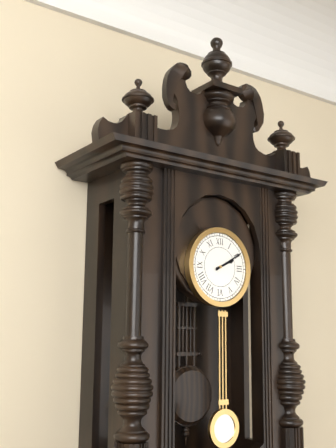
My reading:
2 h 10 min
